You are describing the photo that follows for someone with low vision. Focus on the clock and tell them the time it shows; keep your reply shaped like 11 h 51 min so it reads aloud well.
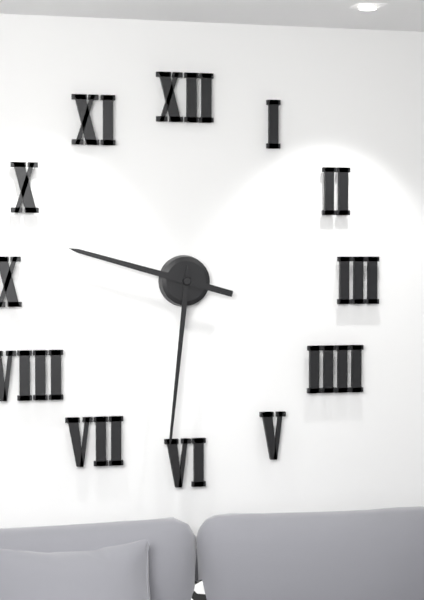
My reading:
9 h 31 min
